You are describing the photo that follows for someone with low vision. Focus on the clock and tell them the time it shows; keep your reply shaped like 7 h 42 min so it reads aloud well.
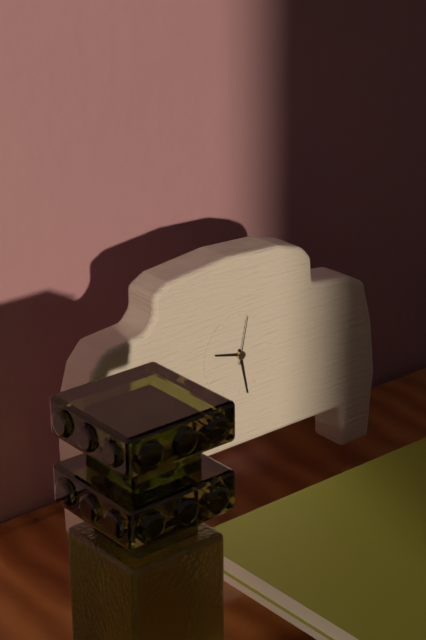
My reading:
9 h 28 min
